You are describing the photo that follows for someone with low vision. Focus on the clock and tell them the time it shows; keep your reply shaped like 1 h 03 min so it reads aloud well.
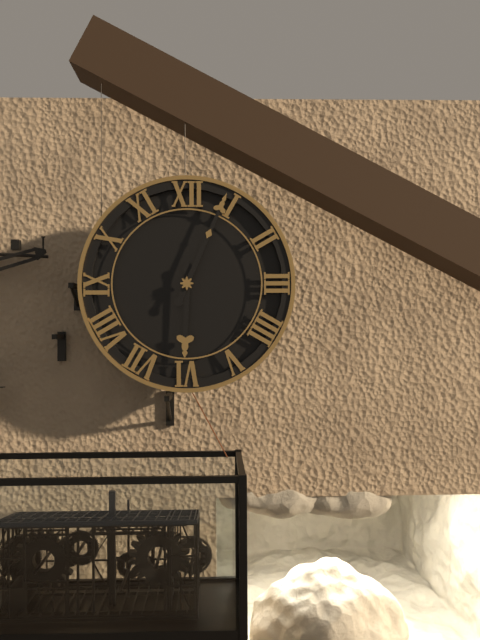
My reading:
6 h 04 min
